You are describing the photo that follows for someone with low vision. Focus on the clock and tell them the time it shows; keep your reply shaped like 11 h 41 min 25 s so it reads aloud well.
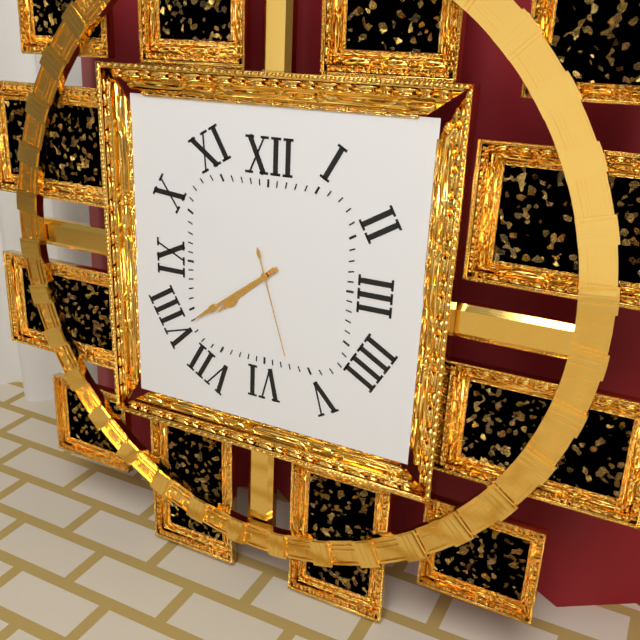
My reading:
7 h 39 min 27 s
